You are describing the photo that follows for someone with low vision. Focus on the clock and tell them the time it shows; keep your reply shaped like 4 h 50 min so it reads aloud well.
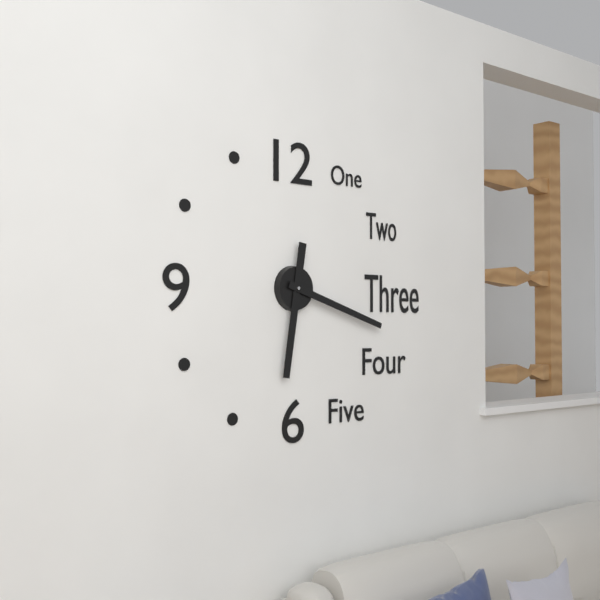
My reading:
6 h 18 min
